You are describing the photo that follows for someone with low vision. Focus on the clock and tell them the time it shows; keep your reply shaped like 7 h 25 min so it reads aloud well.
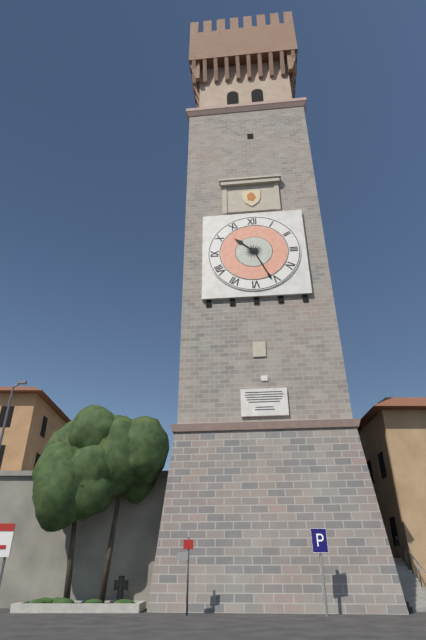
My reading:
10 h 26 min
